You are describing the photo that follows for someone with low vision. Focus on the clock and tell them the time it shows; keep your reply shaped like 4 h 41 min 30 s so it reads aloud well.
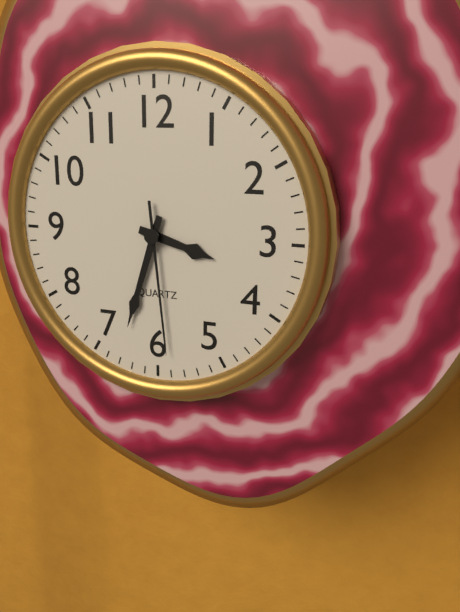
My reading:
3 h 33 min 29 s
